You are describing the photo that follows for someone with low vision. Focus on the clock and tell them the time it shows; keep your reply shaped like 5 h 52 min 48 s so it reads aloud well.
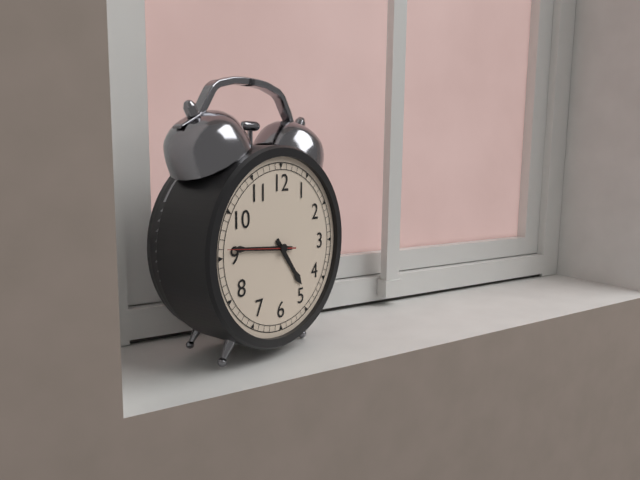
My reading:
4 h 46 min 46 s
